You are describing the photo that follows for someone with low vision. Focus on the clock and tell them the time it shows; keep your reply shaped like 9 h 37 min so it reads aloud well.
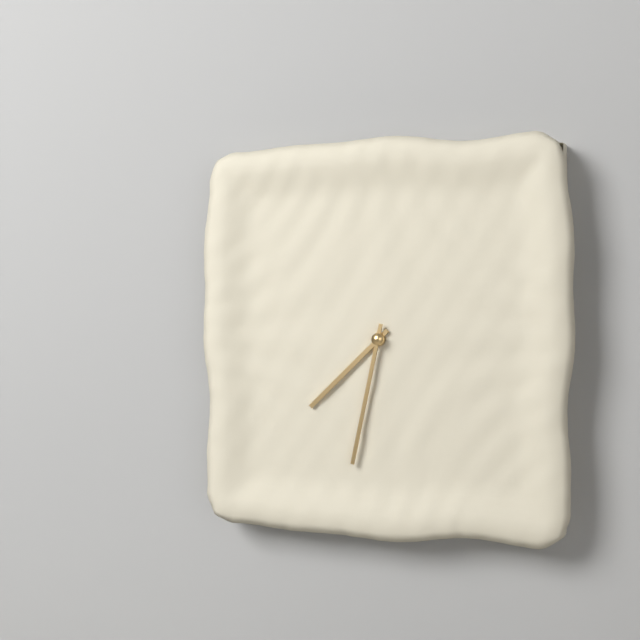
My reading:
7 h 32 min
